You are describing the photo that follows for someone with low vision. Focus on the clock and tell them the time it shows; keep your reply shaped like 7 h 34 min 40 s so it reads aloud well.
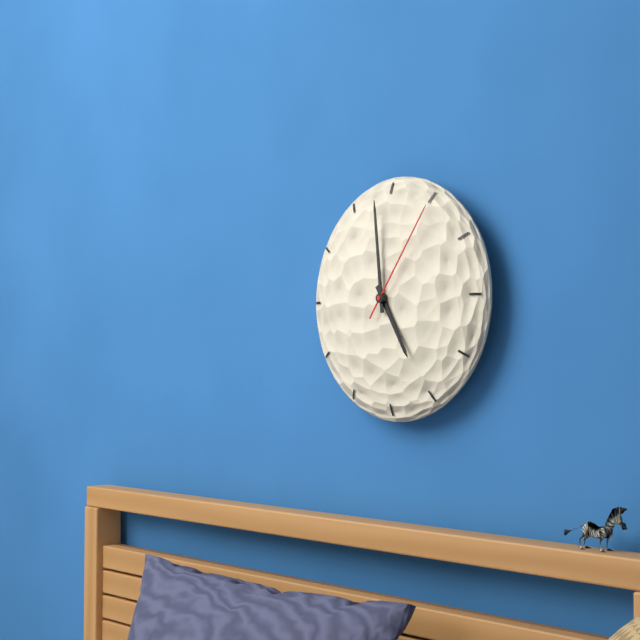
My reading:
4 h 59 min 06 s
